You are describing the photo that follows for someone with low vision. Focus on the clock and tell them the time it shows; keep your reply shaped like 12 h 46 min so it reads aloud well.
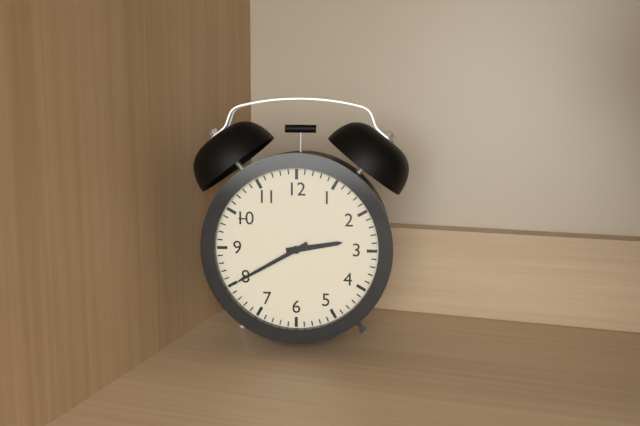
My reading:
2 h 40 min
